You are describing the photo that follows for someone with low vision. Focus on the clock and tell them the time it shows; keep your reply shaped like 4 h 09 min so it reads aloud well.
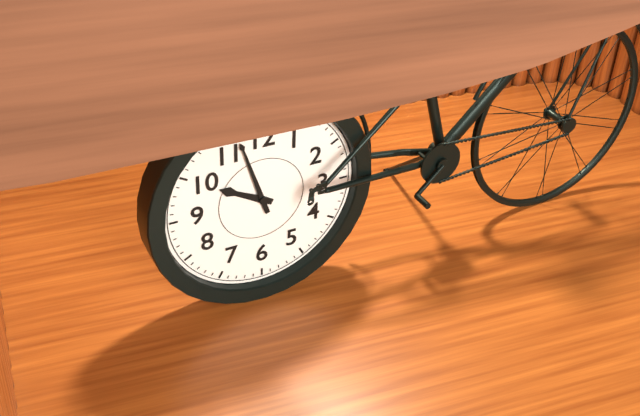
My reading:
9 h 57 min
